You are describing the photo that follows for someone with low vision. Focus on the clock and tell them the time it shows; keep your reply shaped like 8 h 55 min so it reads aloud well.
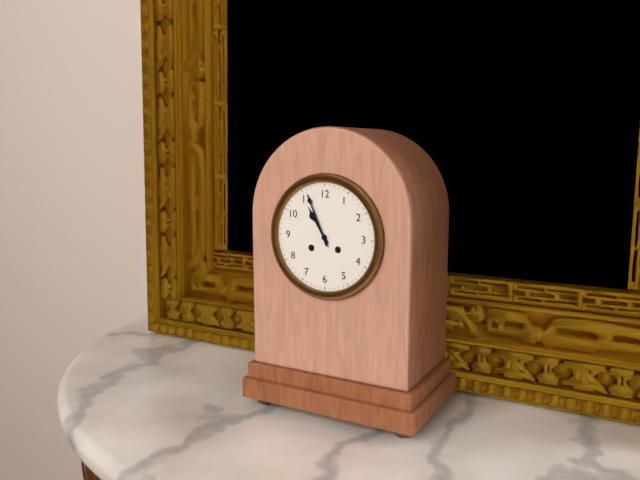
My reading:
10 h 56 min
